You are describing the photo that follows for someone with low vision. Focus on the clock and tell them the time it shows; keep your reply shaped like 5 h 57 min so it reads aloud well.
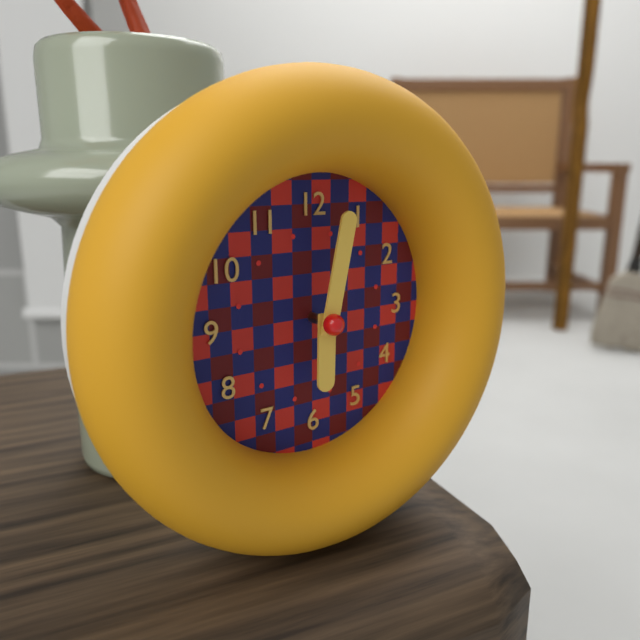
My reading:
6 h 02 min
